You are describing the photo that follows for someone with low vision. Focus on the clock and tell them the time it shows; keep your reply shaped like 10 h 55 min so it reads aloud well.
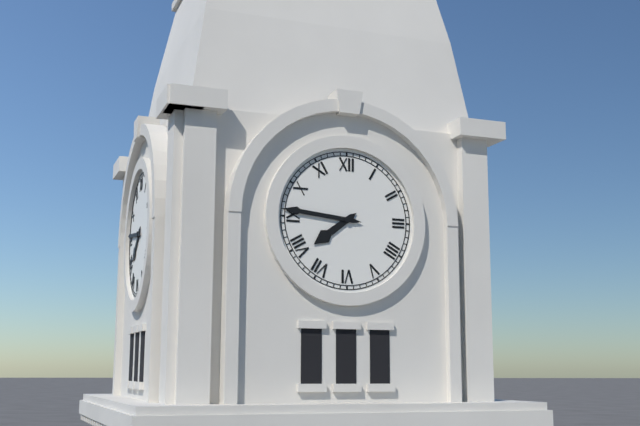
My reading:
7 h 46 min
